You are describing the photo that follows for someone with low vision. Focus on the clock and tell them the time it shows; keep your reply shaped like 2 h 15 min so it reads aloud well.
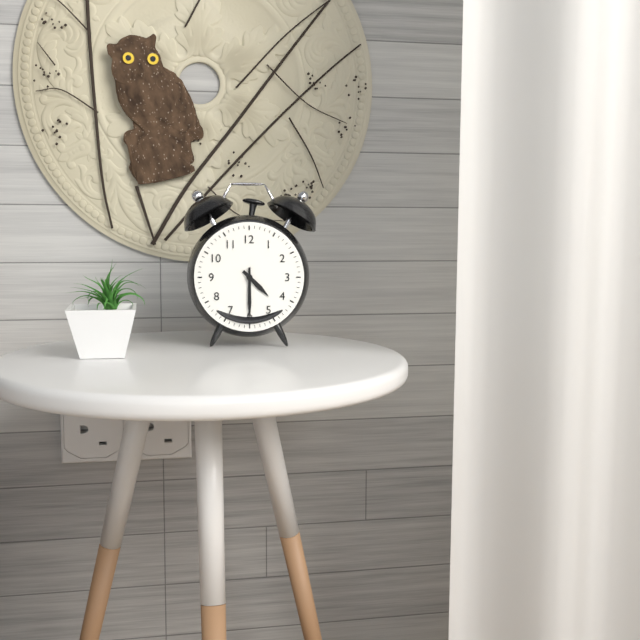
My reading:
4 h 30 min
